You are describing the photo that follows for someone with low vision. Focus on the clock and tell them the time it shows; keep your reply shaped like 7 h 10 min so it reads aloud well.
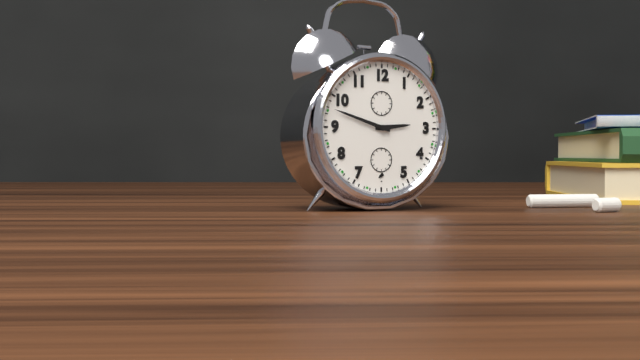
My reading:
2 h 48 min
